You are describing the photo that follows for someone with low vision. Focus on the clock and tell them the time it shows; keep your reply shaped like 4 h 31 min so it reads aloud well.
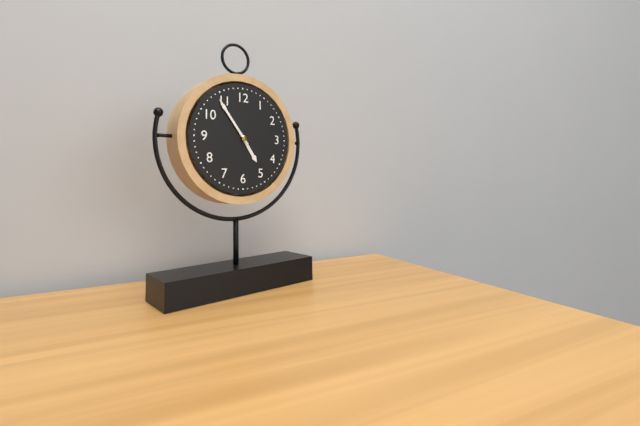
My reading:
4 h 54 min
